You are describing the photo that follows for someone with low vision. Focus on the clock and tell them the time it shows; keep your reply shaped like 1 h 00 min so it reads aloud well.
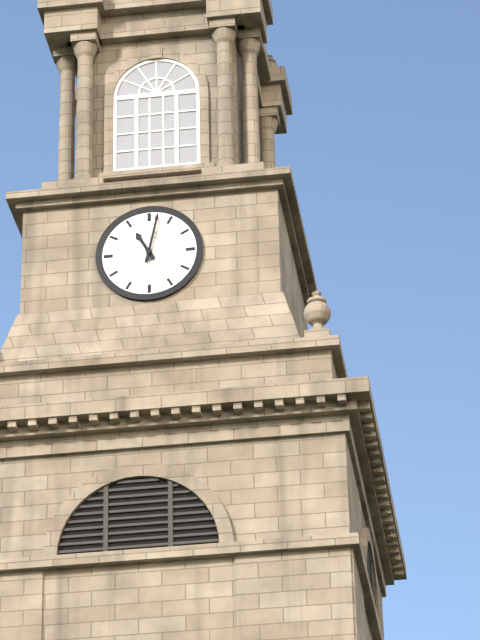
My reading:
11 h 02 min
